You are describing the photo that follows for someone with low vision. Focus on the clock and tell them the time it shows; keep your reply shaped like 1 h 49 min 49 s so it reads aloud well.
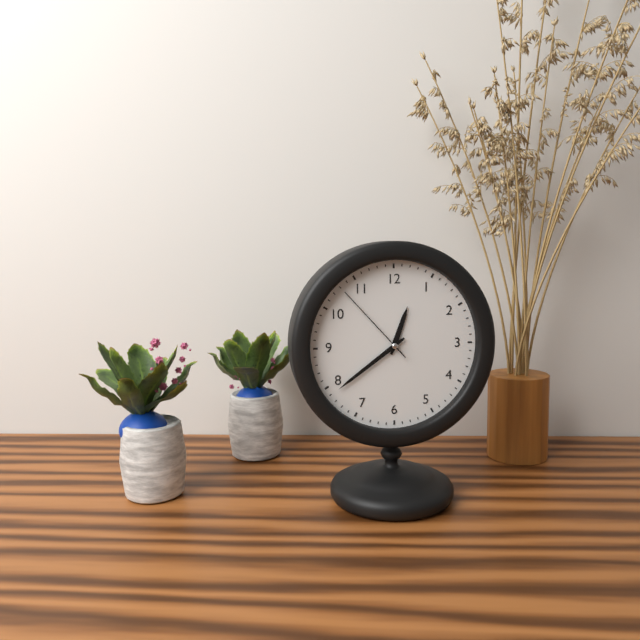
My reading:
12 h 39 min 53 s
